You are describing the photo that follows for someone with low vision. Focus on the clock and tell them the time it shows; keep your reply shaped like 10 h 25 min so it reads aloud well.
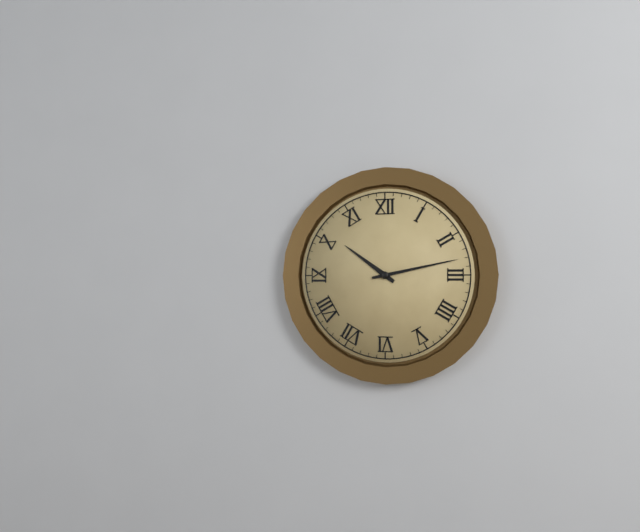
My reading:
10 h 13 min
